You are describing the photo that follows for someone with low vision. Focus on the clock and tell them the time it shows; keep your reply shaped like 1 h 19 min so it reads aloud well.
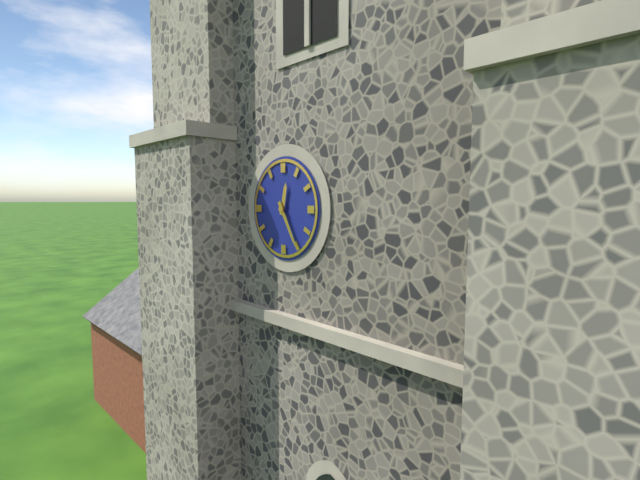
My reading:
12 h 25 min
